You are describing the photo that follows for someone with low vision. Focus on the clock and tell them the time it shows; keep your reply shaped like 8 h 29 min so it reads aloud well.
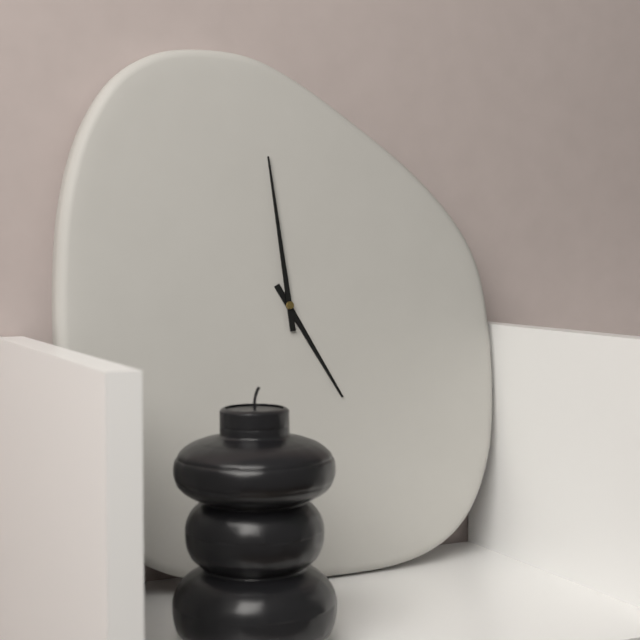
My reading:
4 h 59 min
